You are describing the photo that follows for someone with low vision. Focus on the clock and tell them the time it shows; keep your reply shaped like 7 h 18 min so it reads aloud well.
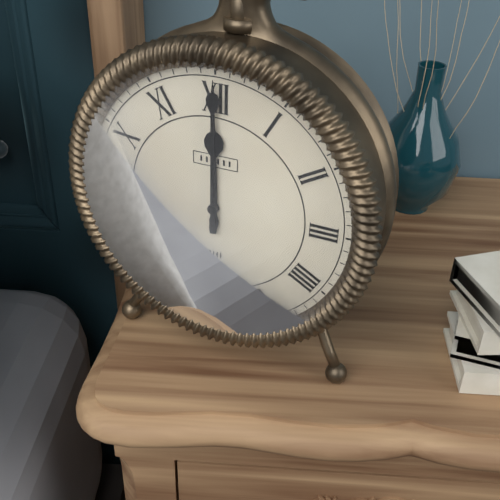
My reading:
12 h 00 min
